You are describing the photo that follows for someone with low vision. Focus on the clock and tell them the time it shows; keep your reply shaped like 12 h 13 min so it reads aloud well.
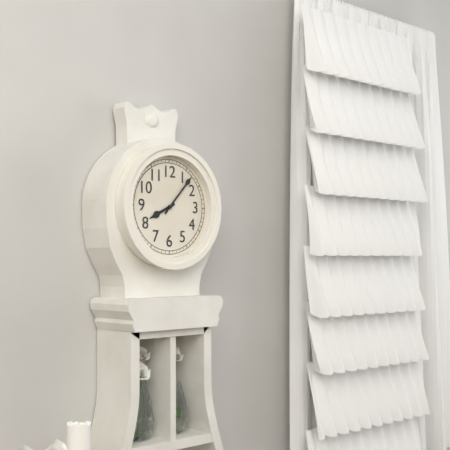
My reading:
8 h 07 min
